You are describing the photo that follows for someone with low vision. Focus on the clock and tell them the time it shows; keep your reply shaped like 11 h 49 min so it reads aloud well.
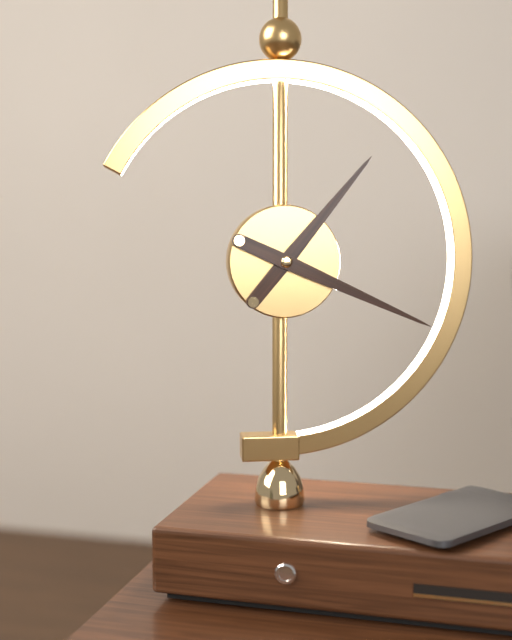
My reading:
1 h 19 min
